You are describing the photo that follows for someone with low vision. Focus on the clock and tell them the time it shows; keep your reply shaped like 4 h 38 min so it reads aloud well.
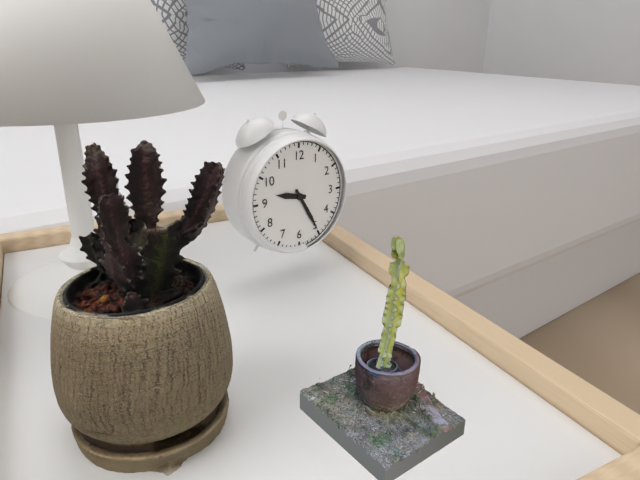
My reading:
9 h 25 min
